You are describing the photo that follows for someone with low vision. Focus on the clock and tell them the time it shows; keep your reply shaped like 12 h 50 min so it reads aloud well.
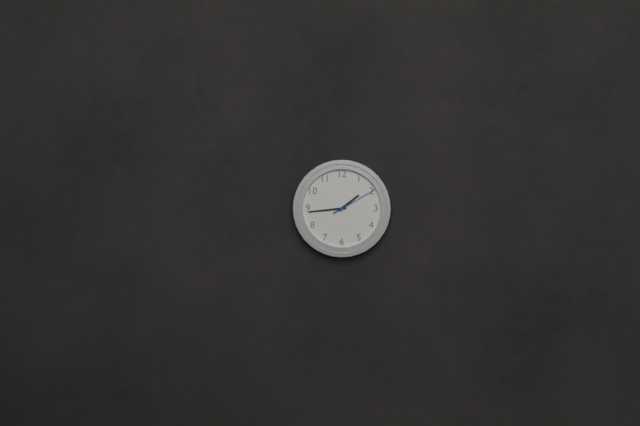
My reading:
1 h 44 min
